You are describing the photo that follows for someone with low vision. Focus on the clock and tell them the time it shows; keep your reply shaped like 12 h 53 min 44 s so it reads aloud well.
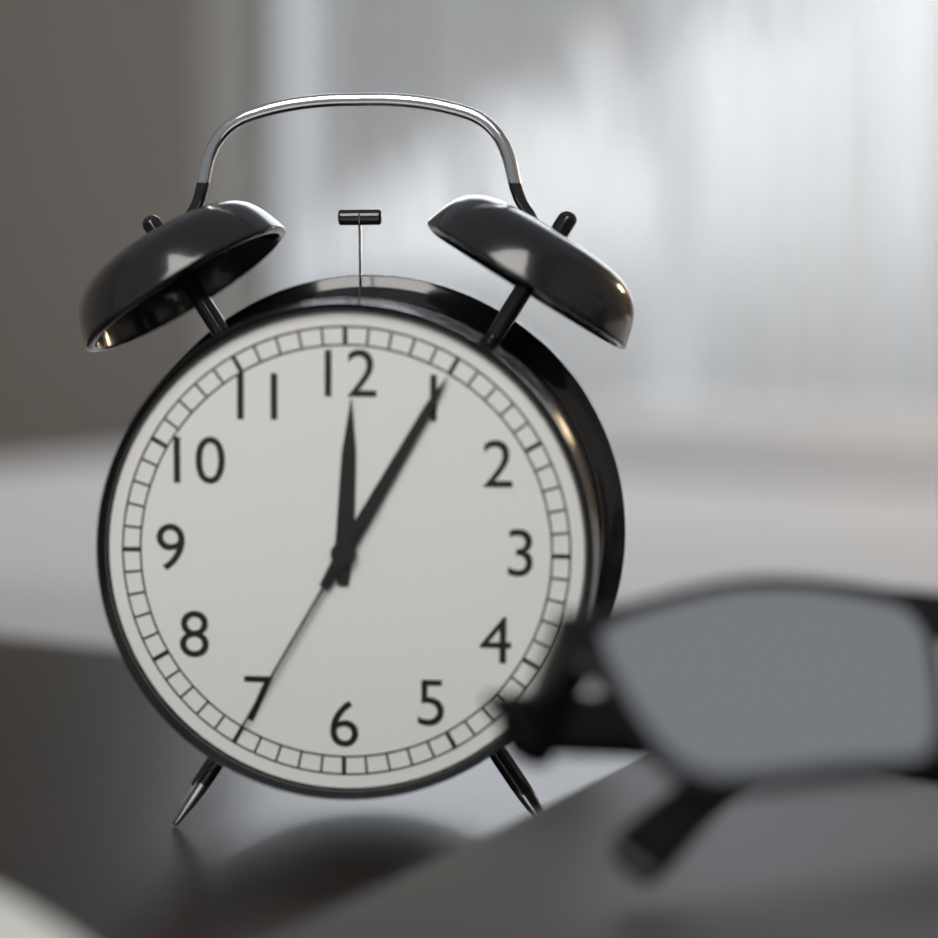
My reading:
12 h 05 min 35 s
